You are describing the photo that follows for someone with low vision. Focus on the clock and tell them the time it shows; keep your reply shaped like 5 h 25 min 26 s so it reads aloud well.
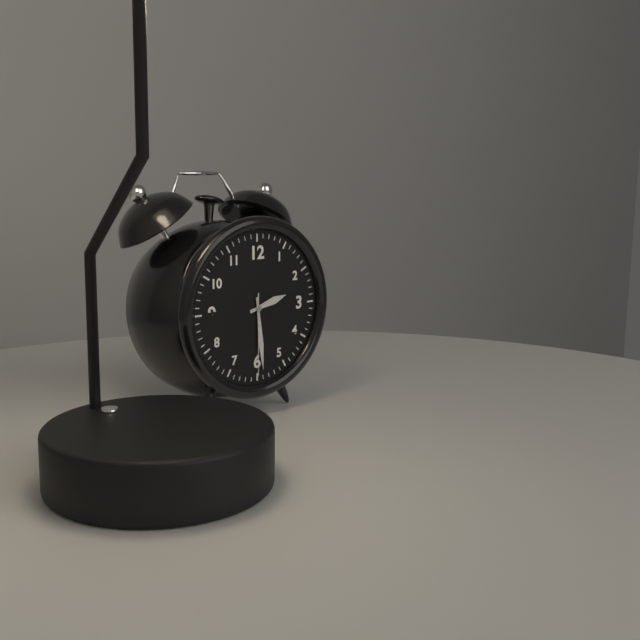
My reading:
2 h 29 min 30 s
